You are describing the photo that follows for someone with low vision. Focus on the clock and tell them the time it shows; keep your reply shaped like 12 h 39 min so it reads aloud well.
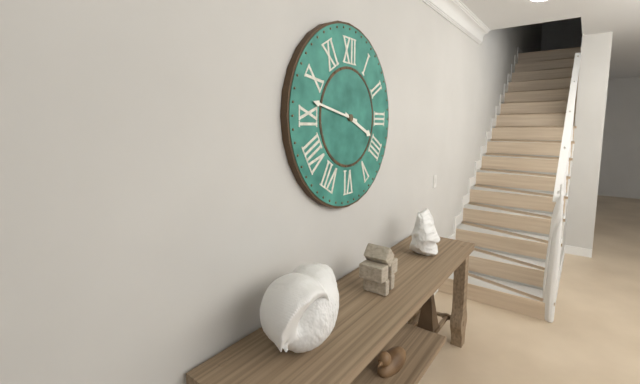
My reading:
3 h 47 min
